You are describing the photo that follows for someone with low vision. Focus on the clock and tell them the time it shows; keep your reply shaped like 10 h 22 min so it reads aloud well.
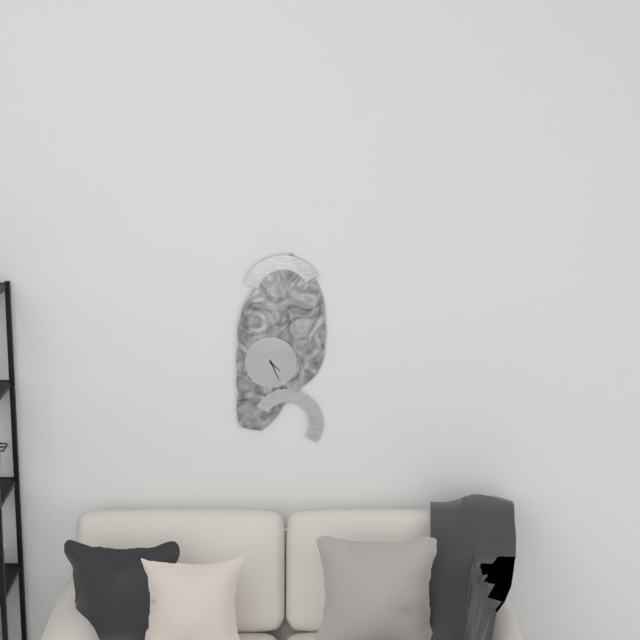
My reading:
4 h 26 min
